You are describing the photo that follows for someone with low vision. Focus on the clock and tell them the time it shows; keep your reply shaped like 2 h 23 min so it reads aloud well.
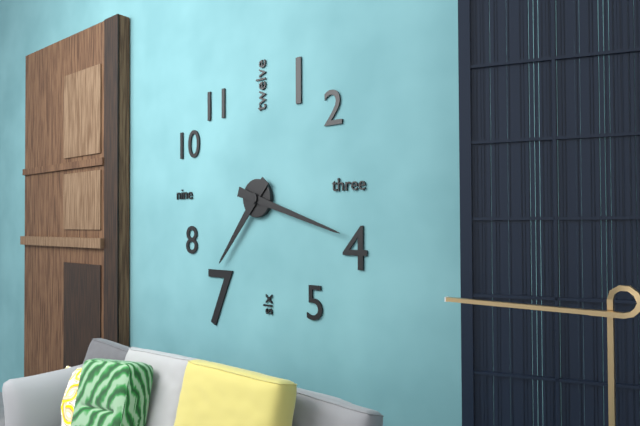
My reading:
7 h 18 min
